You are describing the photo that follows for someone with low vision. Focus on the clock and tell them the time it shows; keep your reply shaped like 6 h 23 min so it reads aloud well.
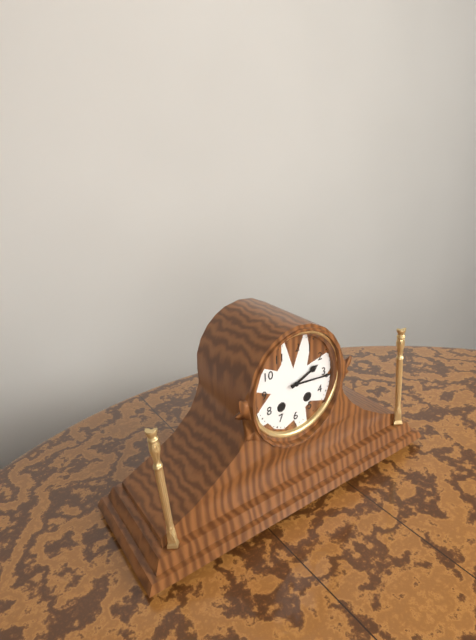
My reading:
2 h 16 min
